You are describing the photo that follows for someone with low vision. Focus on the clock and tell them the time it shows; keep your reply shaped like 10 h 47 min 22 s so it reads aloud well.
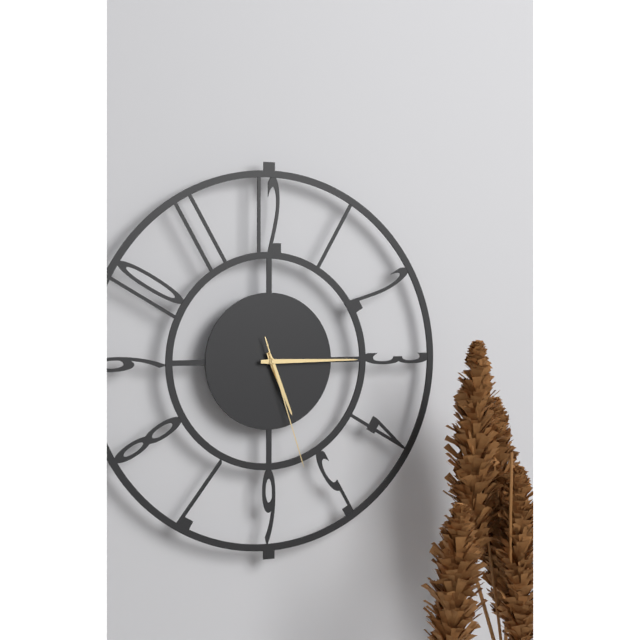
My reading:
5 h 15 min 27 s
